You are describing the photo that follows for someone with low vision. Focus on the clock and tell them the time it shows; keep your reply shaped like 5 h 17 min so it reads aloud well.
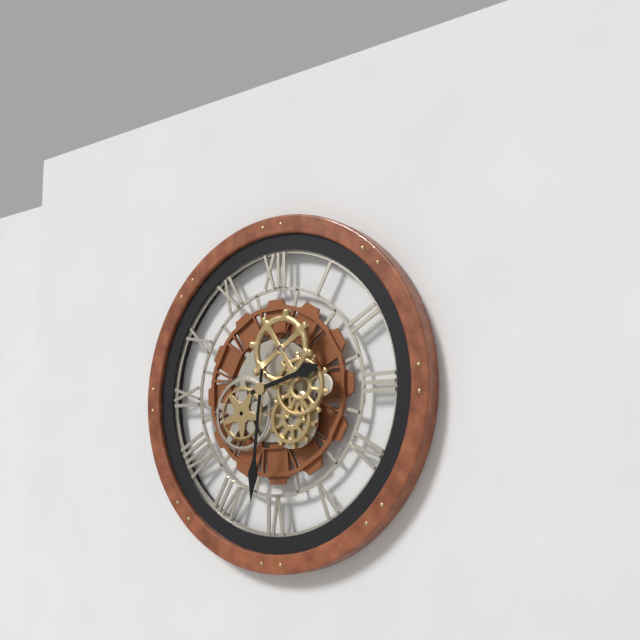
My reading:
2 h 31 min
